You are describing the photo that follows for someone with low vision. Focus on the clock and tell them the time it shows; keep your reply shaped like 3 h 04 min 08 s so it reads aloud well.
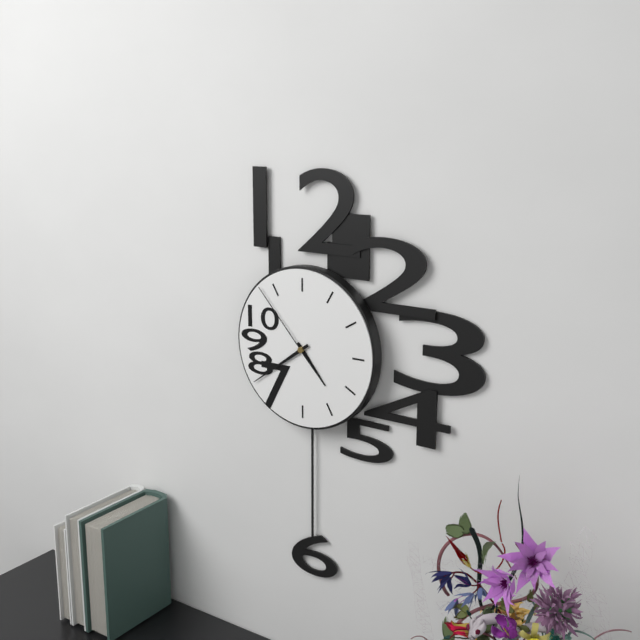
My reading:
4 h 39 min 53 s
